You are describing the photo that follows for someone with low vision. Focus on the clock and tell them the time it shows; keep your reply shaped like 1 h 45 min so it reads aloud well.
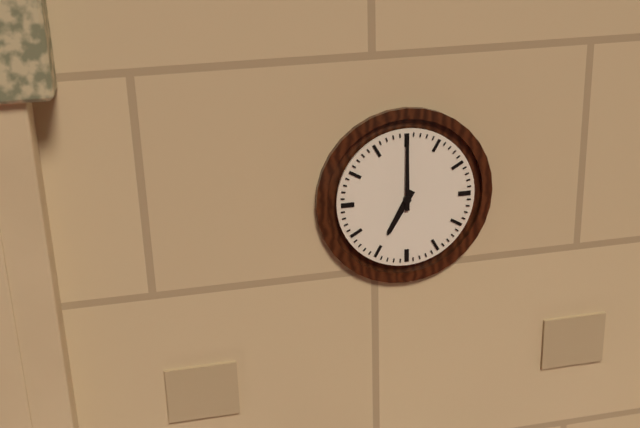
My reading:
7 h 00 min
